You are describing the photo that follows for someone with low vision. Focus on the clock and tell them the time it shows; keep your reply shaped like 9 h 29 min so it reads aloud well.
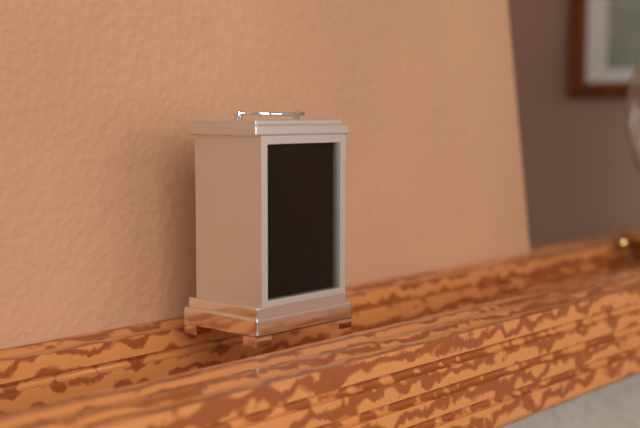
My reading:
4 h 43 min
